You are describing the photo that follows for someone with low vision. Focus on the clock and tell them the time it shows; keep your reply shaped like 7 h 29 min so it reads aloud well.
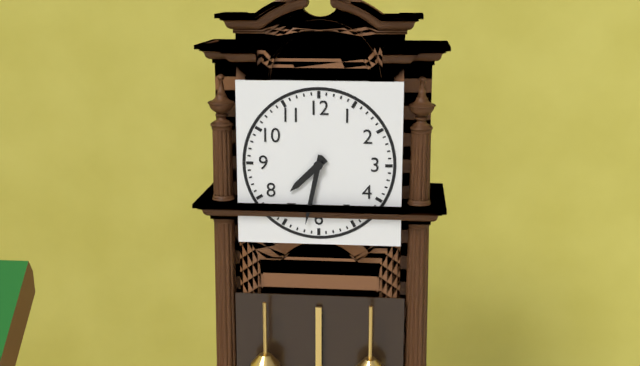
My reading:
7 h 32 min
